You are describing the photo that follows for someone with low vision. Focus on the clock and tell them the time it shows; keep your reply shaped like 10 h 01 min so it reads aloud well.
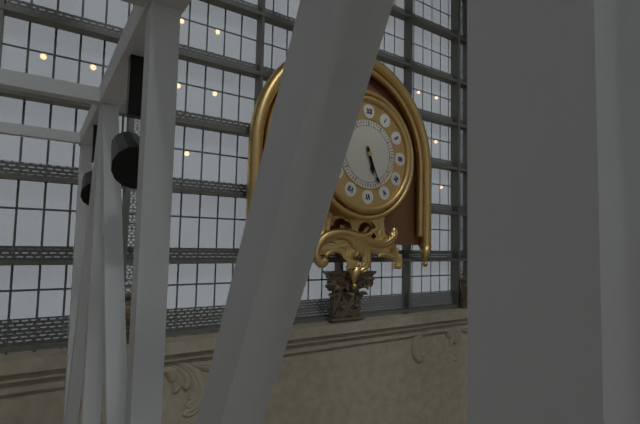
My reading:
5 h 26 min
